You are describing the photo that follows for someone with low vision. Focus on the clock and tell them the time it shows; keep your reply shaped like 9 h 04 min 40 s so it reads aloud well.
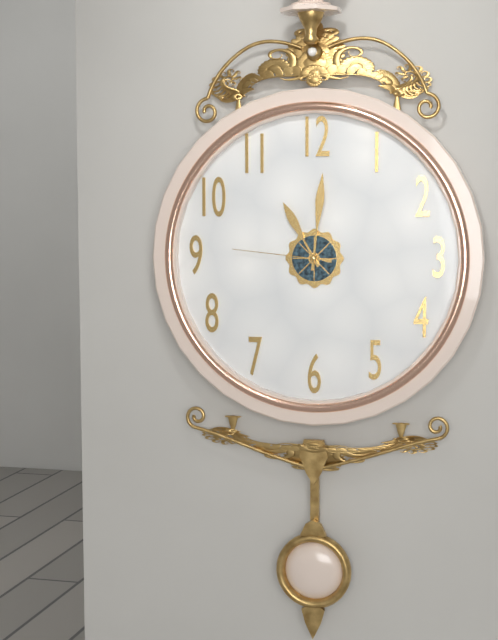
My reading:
11 h 01 min 46 s
